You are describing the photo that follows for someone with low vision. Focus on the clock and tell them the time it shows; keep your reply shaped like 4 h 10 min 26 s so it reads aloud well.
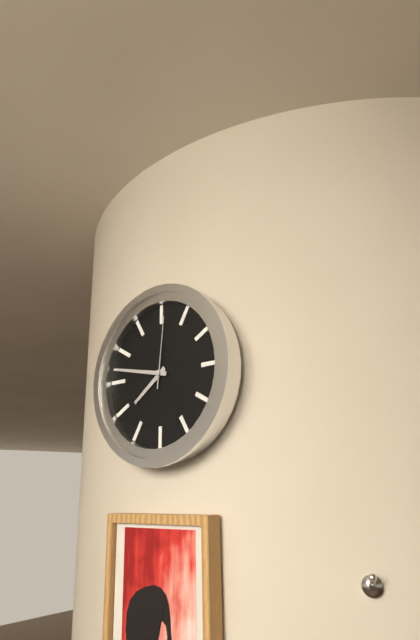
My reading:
7 h 47 min 01 s
